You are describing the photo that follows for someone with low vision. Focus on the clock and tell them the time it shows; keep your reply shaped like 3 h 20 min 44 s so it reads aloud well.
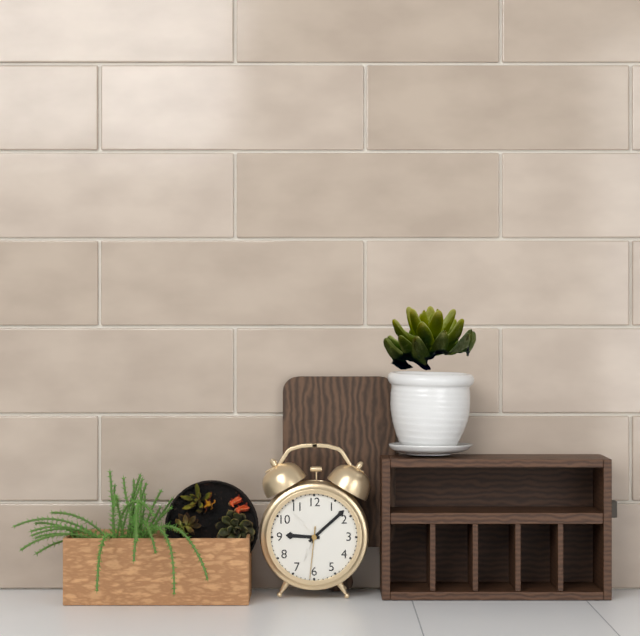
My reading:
9 h 08 min 31 s
